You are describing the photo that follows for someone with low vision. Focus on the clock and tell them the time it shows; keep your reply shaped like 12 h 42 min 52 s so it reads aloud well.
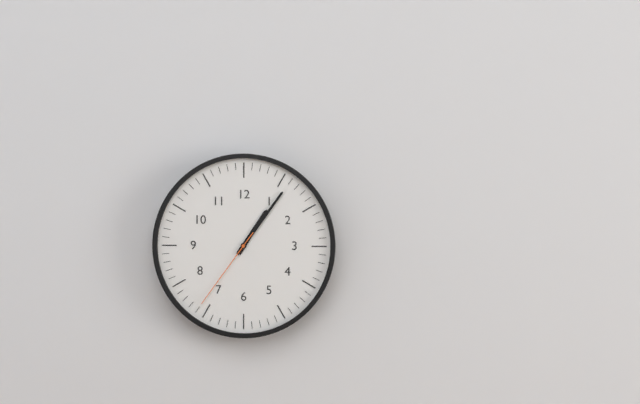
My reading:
1 h 06 min 36 s
